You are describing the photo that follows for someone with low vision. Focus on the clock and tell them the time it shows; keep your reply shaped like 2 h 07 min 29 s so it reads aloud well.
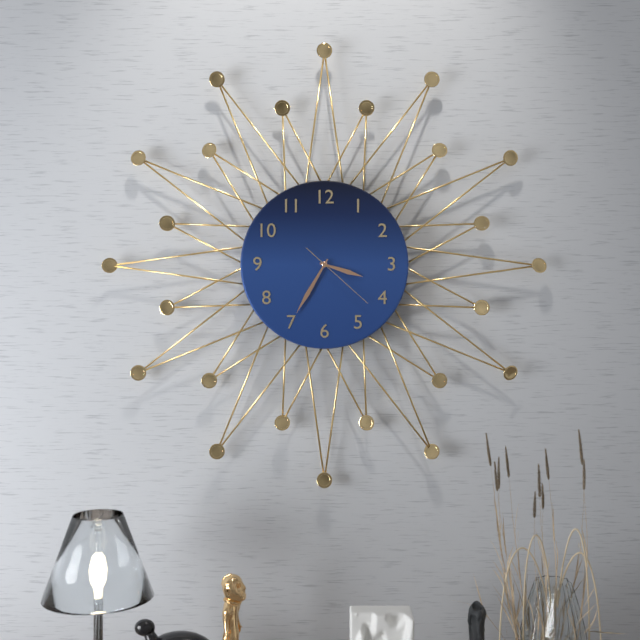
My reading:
3 h 35 min 22 s
